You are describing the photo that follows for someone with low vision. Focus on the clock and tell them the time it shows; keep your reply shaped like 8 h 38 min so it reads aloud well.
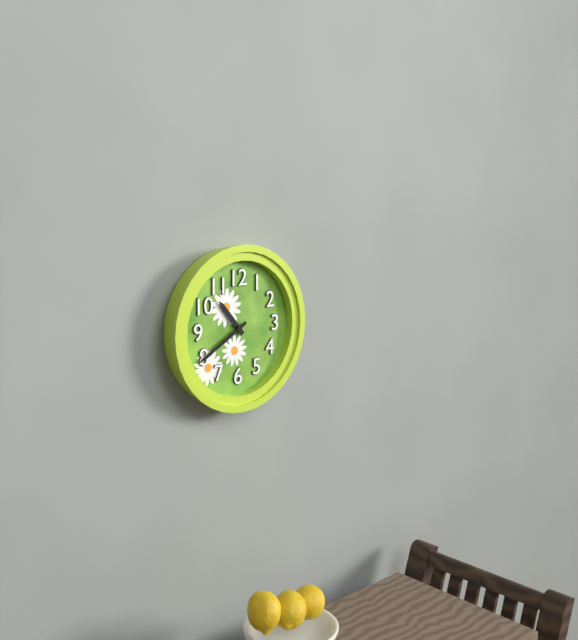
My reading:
10 h 40 min
